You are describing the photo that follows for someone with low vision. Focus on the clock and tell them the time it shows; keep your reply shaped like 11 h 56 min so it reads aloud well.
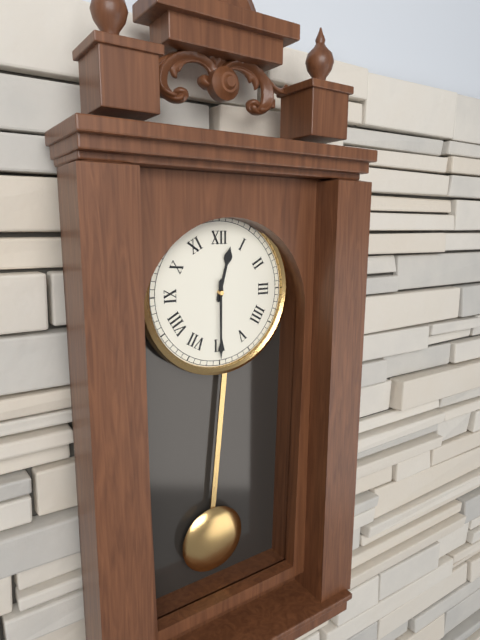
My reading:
12 h 30 min
